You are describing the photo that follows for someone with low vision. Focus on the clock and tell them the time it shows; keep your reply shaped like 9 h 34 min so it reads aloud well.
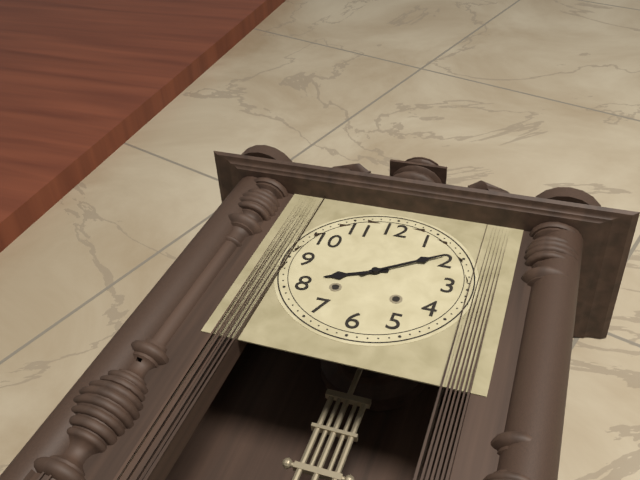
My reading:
8 h 09 min
